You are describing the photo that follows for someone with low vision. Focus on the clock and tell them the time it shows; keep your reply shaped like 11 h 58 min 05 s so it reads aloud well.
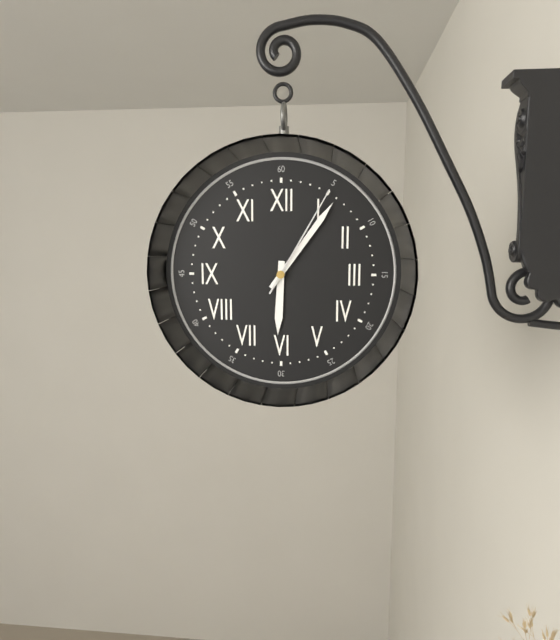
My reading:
6 h 06 min 05 s
